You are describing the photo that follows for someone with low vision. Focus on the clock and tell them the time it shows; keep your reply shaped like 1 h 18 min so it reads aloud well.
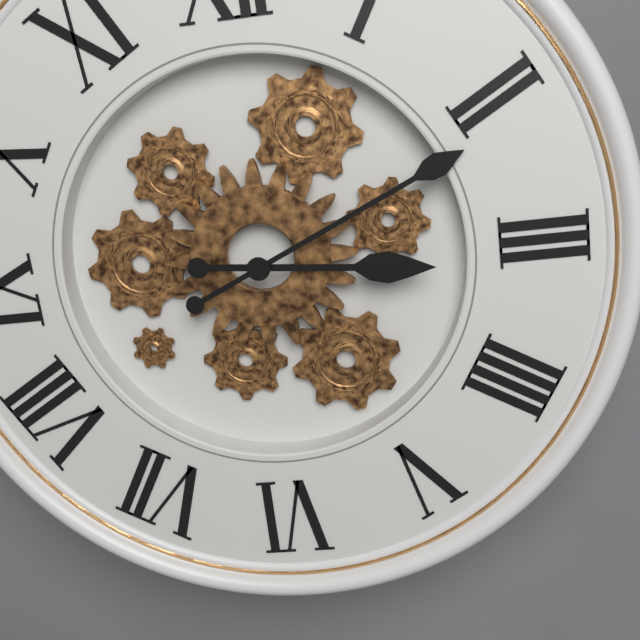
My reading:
3 h 11 min
